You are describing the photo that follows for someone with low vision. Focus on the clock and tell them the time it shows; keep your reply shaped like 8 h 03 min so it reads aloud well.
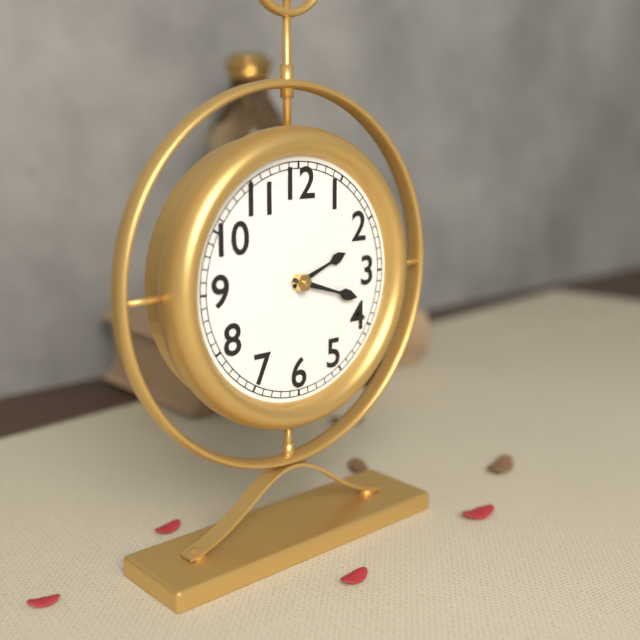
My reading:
2 h 18 min
